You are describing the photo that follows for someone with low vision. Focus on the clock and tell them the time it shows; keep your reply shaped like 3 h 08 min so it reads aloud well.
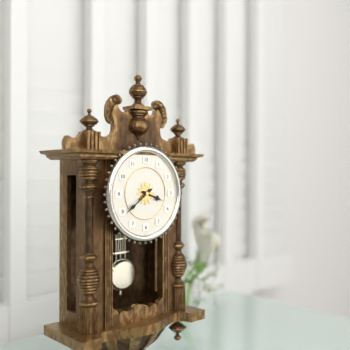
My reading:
3 h 39 min
